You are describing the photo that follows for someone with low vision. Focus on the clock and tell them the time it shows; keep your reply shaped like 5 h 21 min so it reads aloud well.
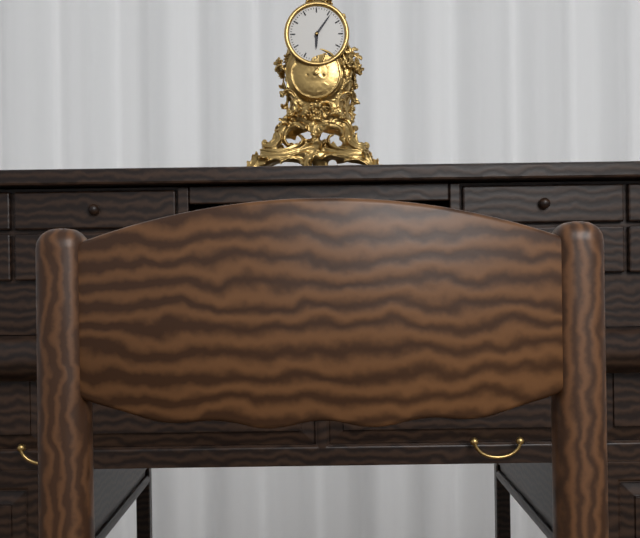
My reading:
6 h 06 min
